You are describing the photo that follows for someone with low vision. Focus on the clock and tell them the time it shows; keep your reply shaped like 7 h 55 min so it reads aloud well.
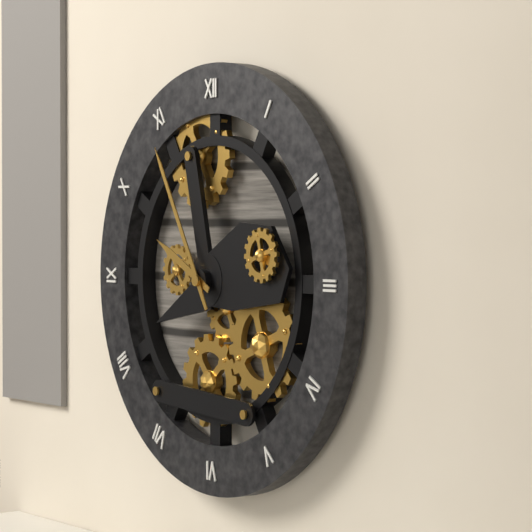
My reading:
9 h 55 min
